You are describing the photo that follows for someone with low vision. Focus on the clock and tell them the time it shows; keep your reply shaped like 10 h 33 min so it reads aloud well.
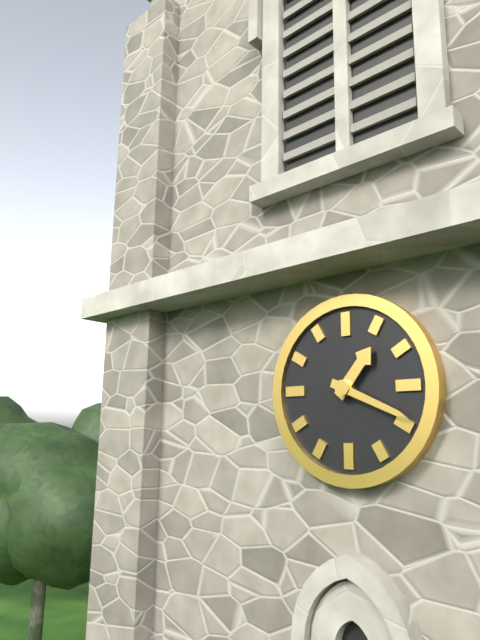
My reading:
1 h 19 min
